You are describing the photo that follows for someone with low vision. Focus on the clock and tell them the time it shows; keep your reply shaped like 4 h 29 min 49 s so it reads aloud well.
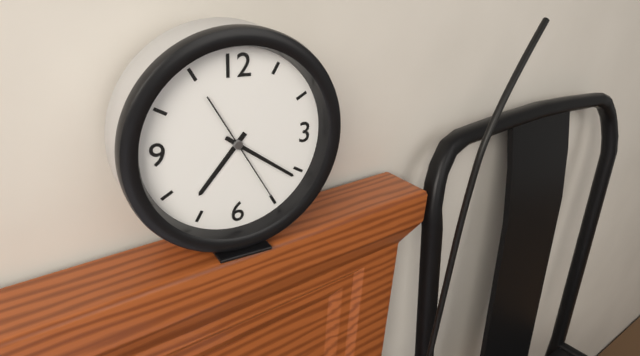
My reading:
7 h 21 min 25 s
